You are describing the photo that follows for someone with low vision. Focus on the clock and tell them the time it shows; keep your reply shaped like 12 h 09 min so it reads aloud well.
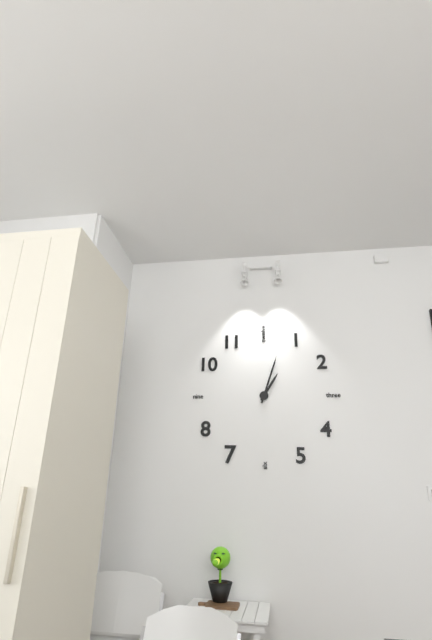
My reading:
1 h 03 min
